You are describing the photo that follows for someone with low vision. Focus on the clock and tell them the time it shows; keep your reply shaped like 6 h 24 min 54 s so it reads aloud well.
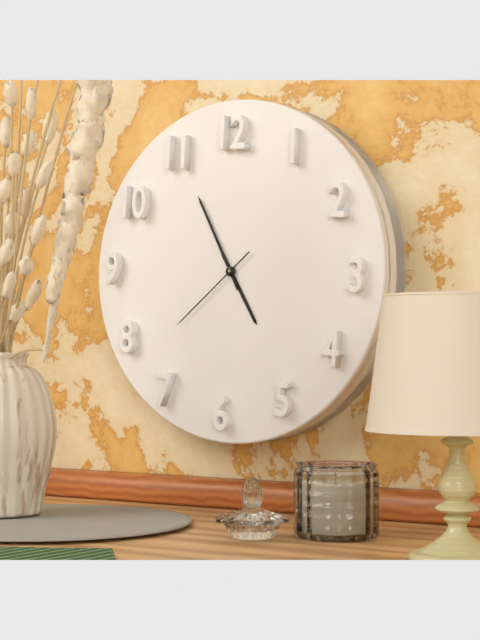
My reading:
4 h 55 min 38 s
